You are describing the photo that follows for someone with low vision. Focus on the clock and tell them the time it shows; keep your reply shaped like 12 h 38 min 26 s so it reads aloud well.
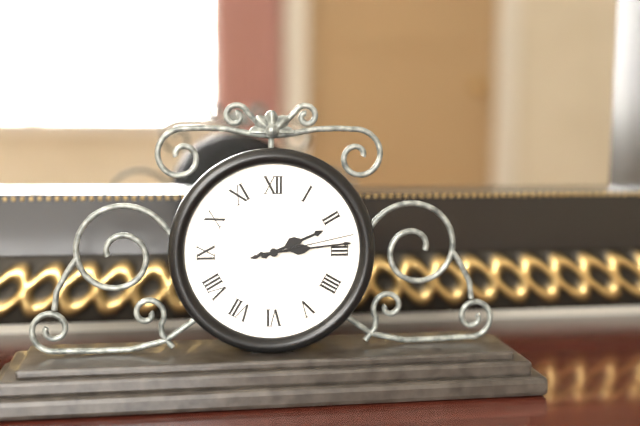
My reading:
2 h 14 min 13 s
